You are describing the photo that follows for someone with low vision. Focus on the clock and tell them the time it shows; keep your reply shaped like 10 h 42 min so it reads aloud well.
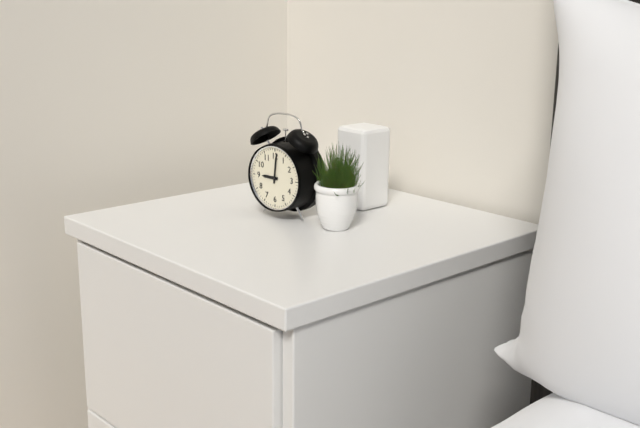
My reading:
9 h 01 min
